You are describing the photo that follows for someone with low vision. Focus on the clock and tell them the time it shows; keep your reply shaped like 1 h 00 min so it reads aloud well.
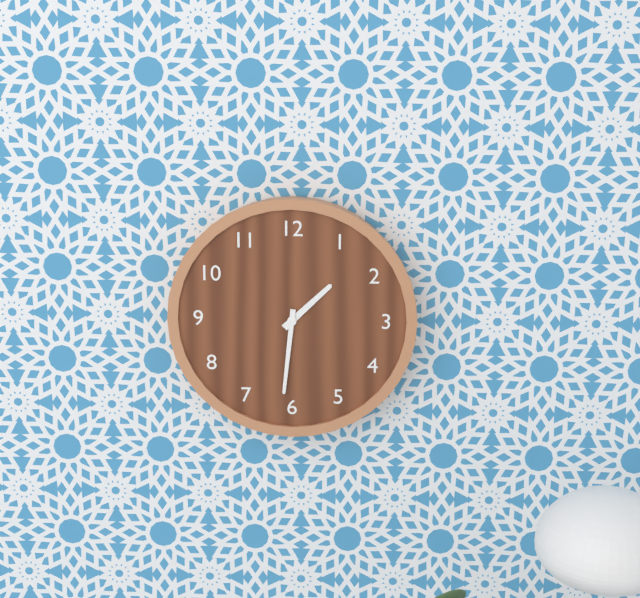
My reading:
1 h 31 min
